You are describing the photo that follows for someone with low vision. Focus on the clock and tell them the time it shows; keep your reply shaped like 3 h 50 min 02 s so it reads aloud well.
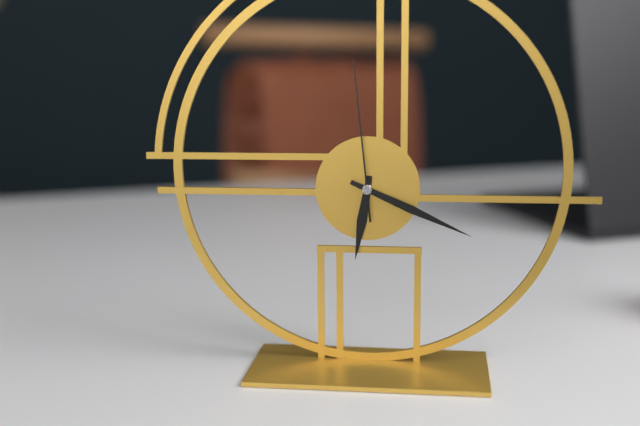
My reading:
6 h 19 min 59 s
